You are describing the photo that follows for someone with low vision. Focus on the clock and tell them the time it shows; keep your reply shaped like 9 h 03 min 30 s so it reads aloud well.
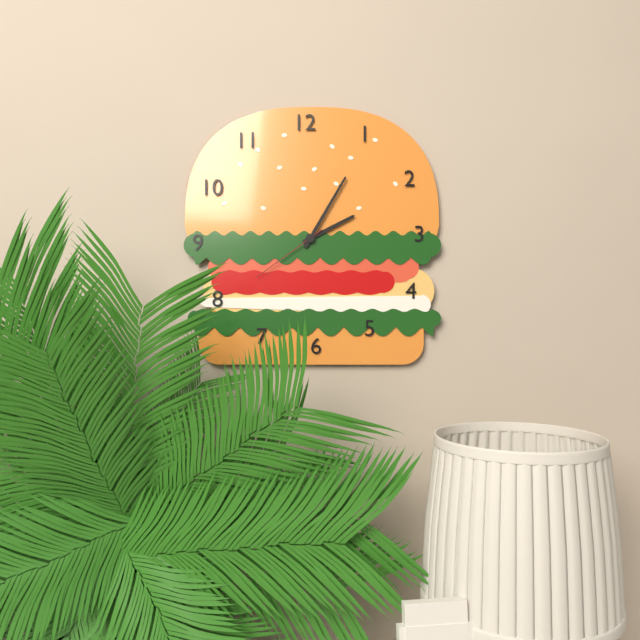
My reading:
2 h 05 min 39 s
